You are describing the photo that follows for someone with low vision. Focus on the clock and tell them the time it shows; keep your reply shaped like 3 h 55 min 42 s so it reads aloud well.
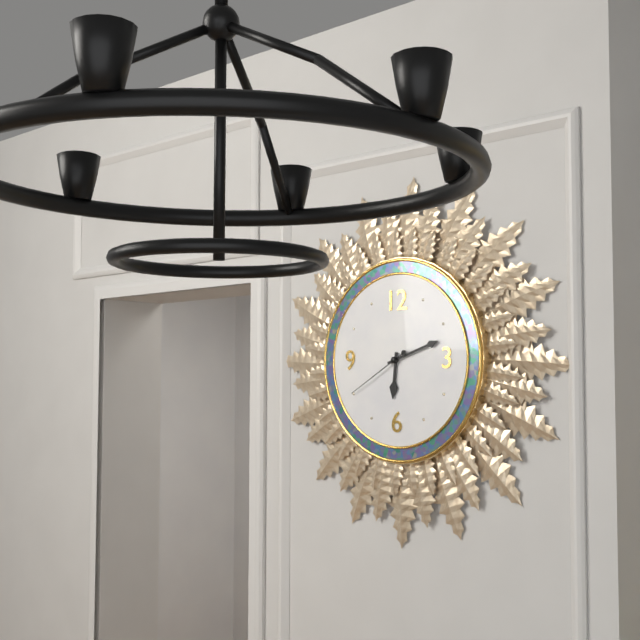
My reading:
6 h 12 min 40 s
